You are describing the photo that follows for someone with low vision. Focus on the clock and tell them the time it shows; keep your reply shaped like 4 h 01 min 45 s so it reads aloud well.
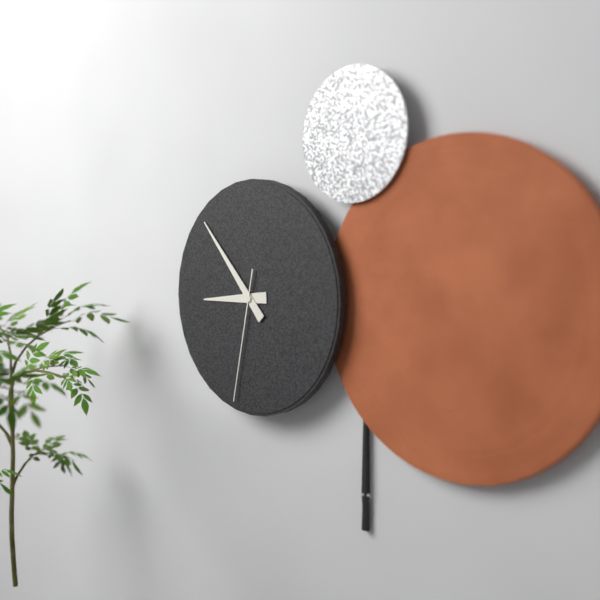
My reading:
8 h 53 min 32 s
